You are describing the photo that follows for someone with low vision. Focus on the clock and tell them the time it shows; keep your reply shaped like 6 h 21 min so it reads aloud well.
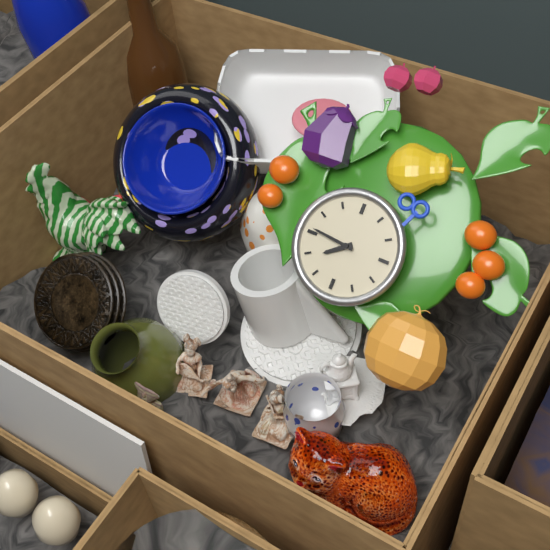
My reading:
7 h 46 min
